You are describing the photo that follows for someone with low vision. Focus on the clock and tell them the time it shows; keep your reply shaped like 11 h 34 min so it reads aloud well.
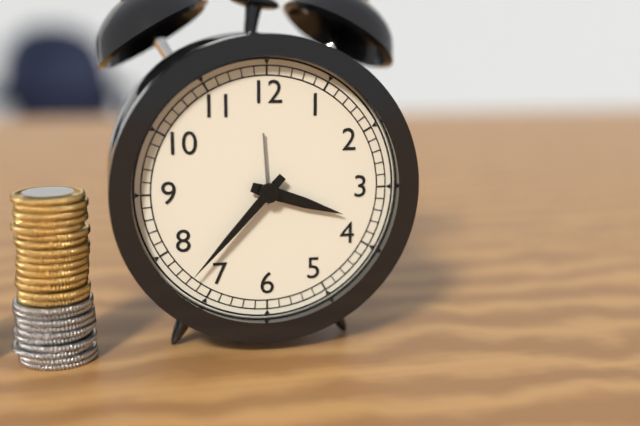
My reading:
3 h 37 min
